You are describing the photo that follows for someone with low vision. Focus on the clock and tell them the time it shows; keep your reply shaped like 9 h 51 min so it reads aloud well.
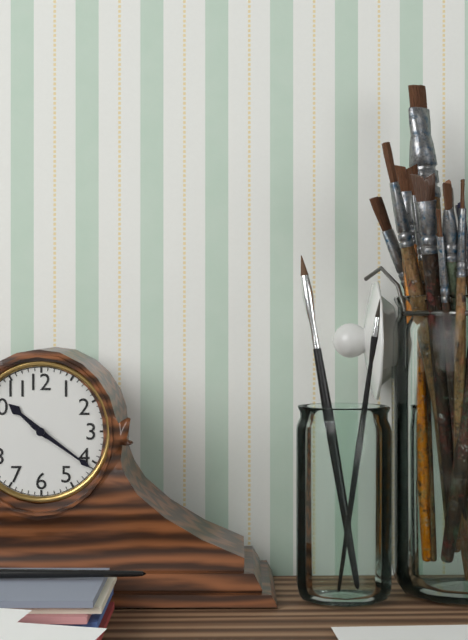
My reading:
10 h 21 min
